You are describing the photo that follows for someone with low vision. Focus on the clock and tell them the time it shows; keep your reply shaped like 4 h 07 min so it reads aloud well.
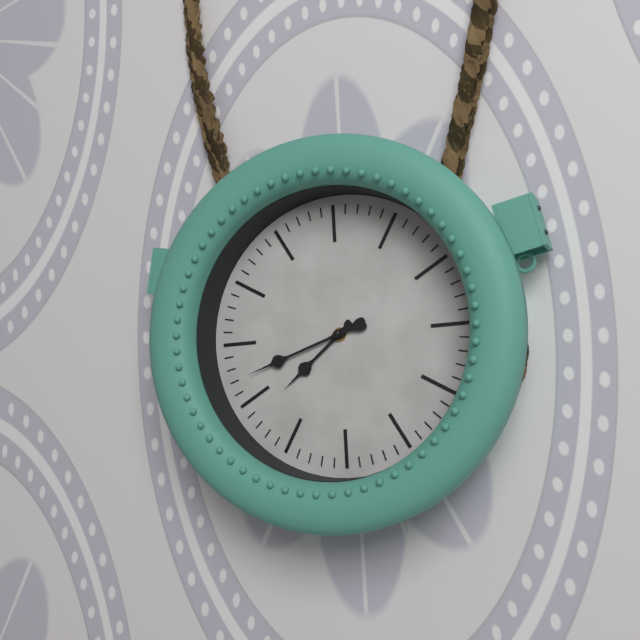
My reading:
7 h 42 min
